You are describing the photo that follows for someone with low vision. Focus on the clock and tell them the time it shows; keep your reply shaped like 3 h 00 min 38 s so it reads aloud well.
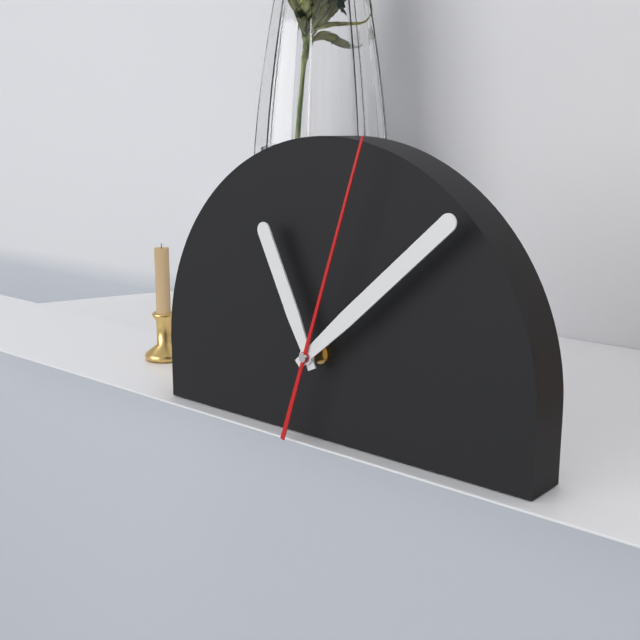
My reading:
11 h 08 min 03 s
